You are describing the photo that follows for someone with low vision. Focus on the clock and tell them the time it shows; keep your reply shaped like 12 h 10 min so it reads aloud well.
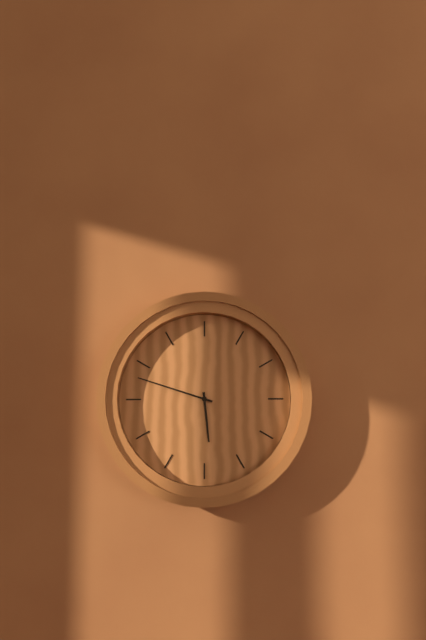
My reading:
5 h 48 min
